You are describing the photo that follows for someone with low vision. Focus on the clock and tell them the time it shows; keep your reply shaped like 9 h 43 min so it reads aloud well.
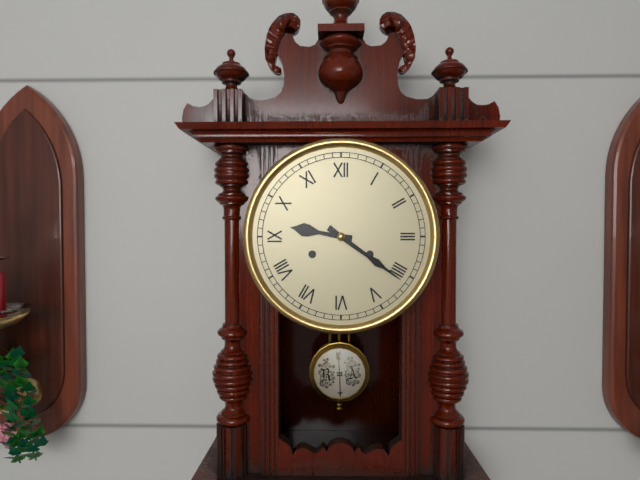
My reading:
9 h 21 min
